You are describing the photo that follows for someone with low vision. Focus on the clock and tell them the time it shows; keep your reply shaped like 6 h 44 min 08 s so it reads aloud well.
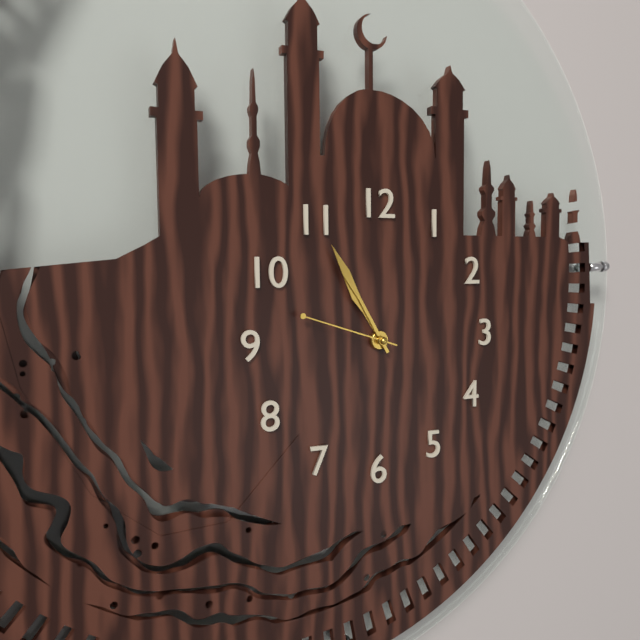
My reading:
10 h 55 min 48 s
